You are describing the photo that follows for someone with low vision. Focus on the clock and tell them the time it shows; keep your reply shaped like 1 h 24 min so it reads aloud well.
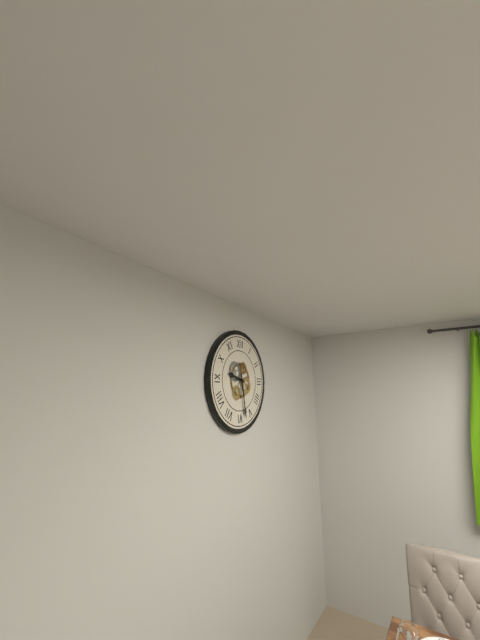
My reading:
9 h 28 min
